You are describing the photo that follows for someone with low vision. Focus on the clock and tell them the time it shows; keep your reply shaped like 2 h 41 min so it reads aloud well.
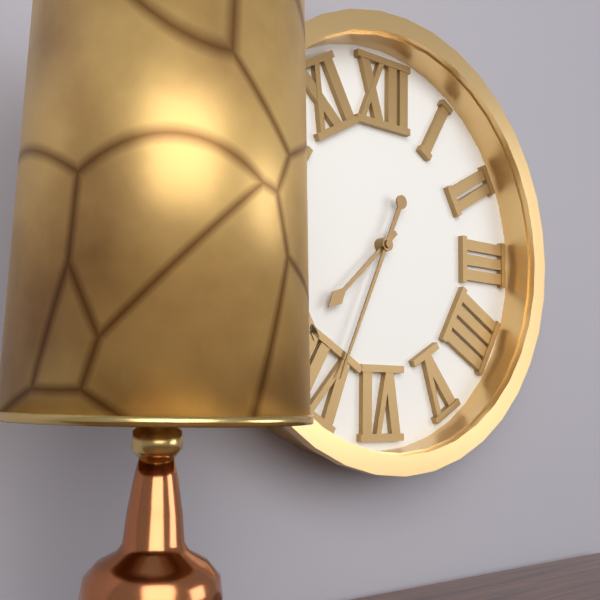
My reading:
7 h 34 min
